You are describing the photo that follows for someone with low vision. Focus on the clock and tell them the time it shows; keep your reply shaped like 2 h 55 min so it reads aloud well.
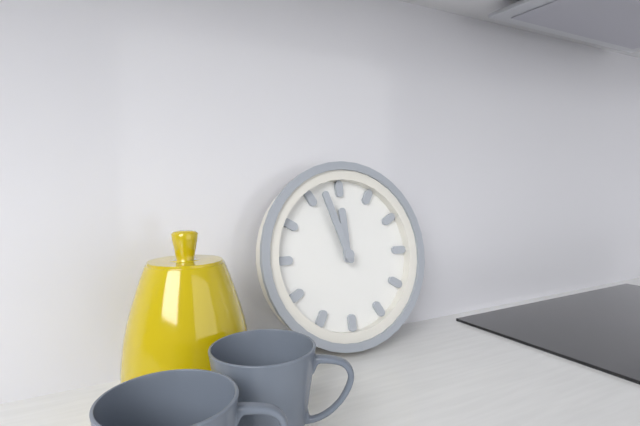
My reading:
11 h 57 min
